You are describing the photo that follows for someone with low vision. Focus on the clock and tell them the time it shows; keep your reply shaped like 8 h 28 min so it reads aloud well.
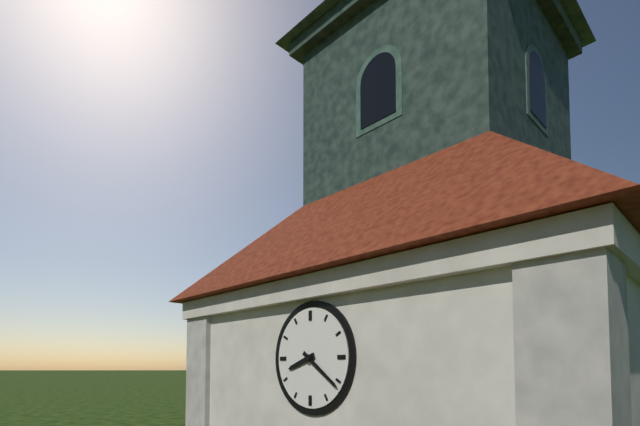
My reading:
8 h 21 min
